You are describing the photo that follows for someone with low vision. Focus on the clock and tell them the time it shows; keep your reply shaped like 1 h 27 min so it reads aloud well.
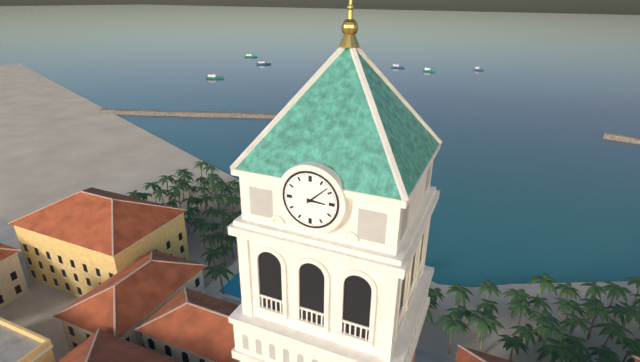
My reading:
3 h 08 min
